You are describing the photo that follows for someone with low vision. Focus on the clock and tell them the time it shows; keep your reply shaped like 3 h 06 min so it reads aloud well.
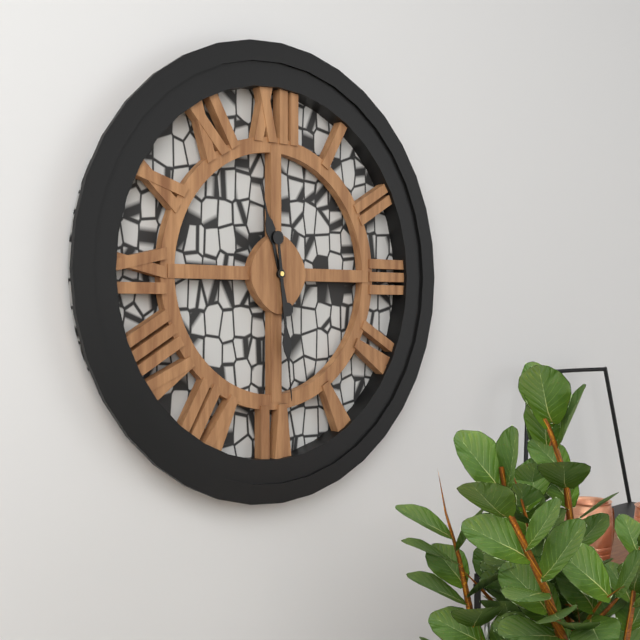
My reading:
11 h 29 min
